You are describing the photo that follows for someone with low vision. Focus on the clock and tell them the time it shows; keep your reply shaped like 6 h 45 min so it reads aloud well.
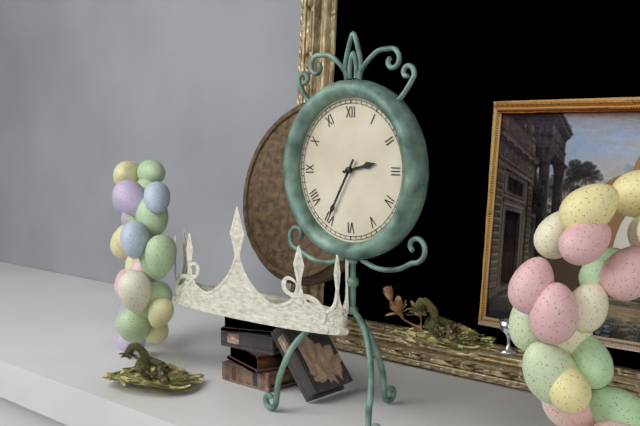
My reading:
2 h 35 min
